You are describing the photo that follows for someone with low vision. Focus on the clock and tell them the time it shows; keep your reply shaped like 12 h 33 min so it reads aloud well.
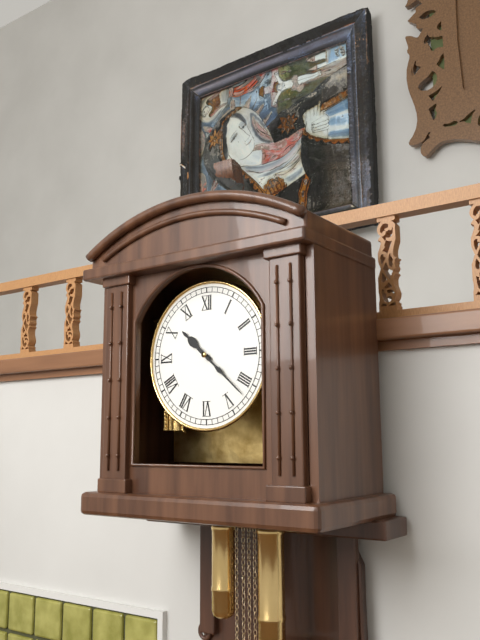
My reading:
10 h 22 min
